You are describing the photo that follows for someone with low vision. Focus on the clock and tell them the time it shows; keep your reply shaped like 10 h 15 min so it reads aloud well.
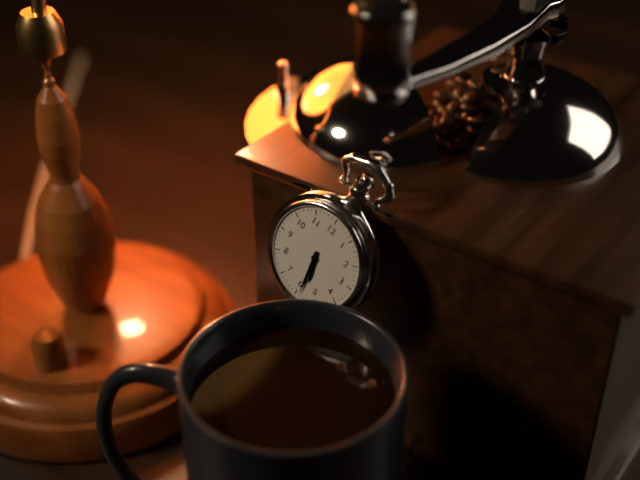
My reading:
5 h 29 min
